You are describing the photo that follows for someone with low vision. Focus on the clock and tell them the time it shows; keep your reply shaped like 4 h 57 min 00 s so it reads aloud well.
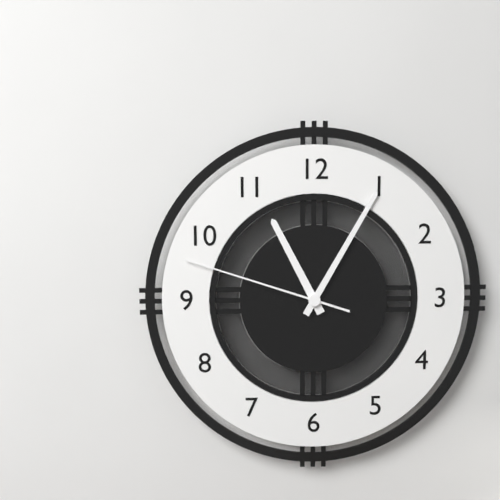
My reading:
11 h 05 min 48 s
